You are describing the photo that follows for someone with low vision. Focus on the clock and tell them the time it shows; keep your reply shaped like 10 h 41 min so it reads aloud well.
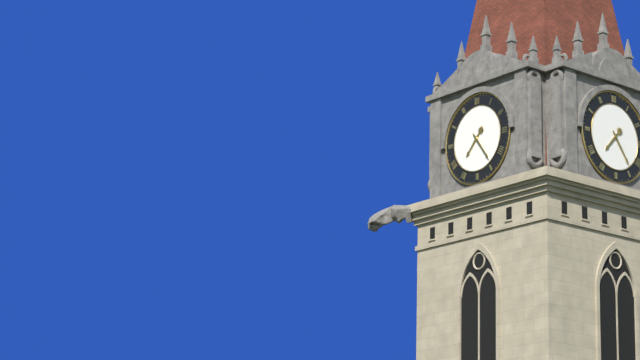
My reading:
7 h 24 min
